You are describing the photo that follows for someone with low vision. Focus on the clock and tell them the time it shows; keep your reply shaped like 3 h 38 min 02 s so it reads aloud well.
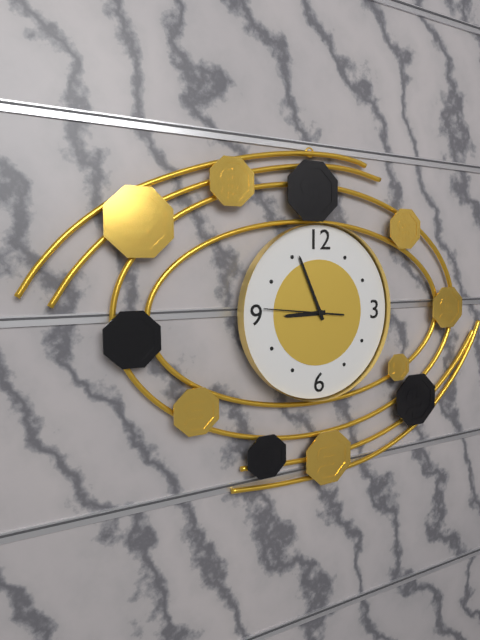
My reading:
8 h 56 min 46 s
